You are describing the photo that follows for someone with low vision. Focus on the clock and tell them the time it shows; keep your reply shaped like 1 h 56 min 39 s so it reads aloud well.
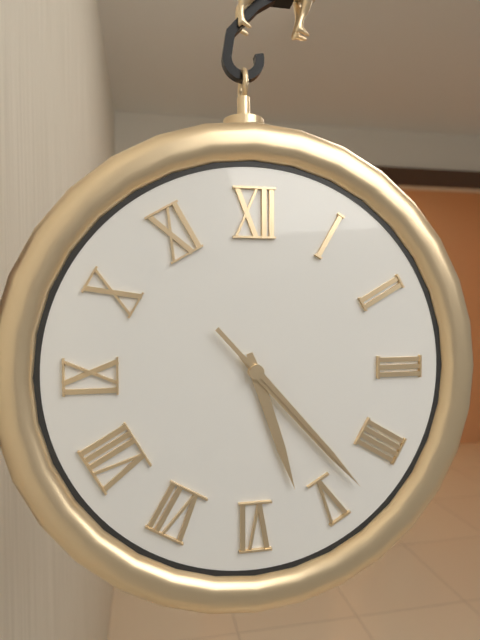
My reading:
5 h 23 min 23 s
